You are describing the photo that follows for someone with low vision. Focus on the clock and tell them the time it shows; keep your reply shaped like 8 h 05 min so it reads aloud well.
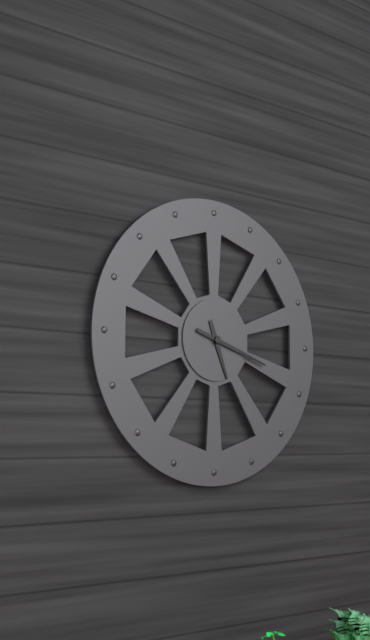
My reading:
5 h 18 min
